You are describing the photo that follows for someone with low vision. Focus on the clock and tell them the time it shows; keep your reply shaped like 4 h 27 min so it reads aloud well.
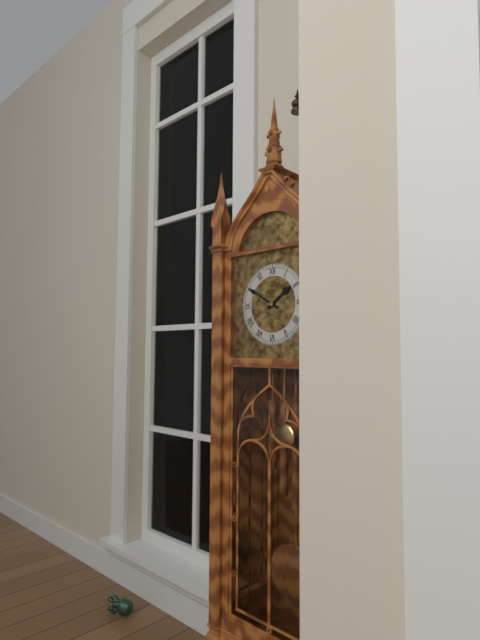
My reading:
1 h 50 min
